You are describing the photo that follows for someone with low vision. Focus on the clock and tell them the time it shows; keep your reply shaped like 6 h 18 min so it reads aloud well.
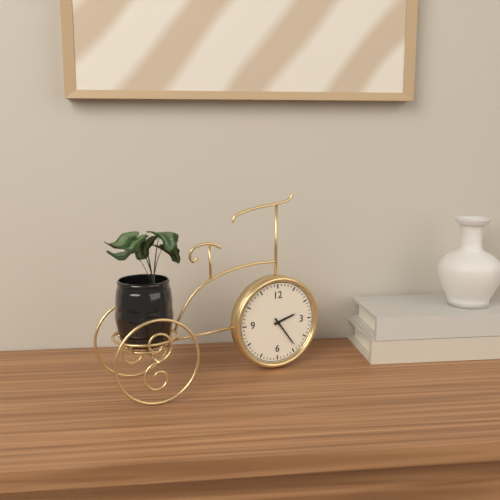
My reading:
2 h 24 min
